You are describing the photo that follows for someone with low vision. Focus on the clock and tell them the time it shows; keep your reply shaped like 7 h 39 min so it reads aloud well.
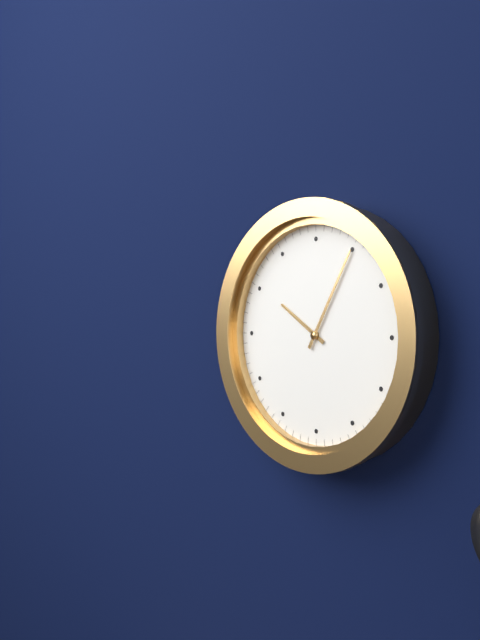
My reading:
10 h 05 min
